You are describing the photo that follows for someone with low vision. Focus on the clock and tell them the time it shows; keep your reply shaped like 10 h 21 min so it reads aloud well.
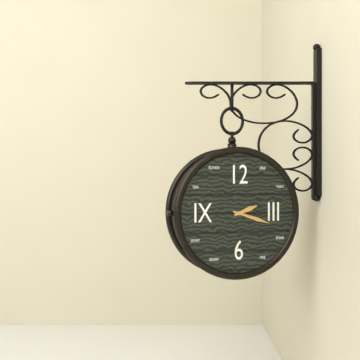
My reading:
2 h 18 min
